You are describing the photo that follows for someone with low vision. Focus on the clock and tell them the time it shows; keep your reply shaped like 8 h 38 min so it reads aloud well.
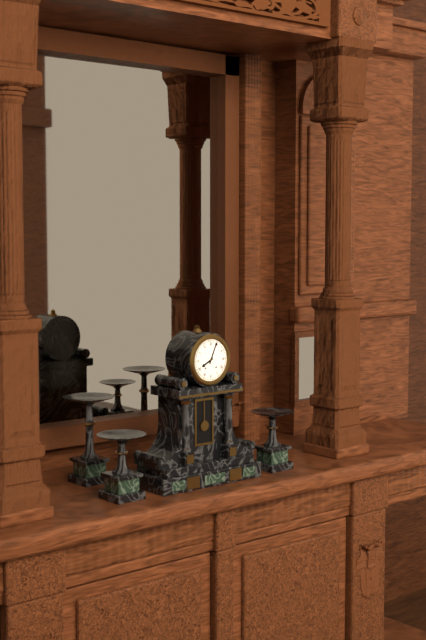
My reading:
8 h 04 min
